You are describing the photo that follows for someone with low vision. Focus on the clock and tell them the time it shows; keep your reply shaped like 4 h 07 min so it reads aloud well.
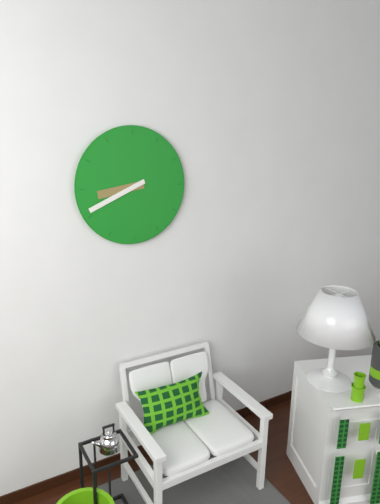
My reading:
8 h 41 min
